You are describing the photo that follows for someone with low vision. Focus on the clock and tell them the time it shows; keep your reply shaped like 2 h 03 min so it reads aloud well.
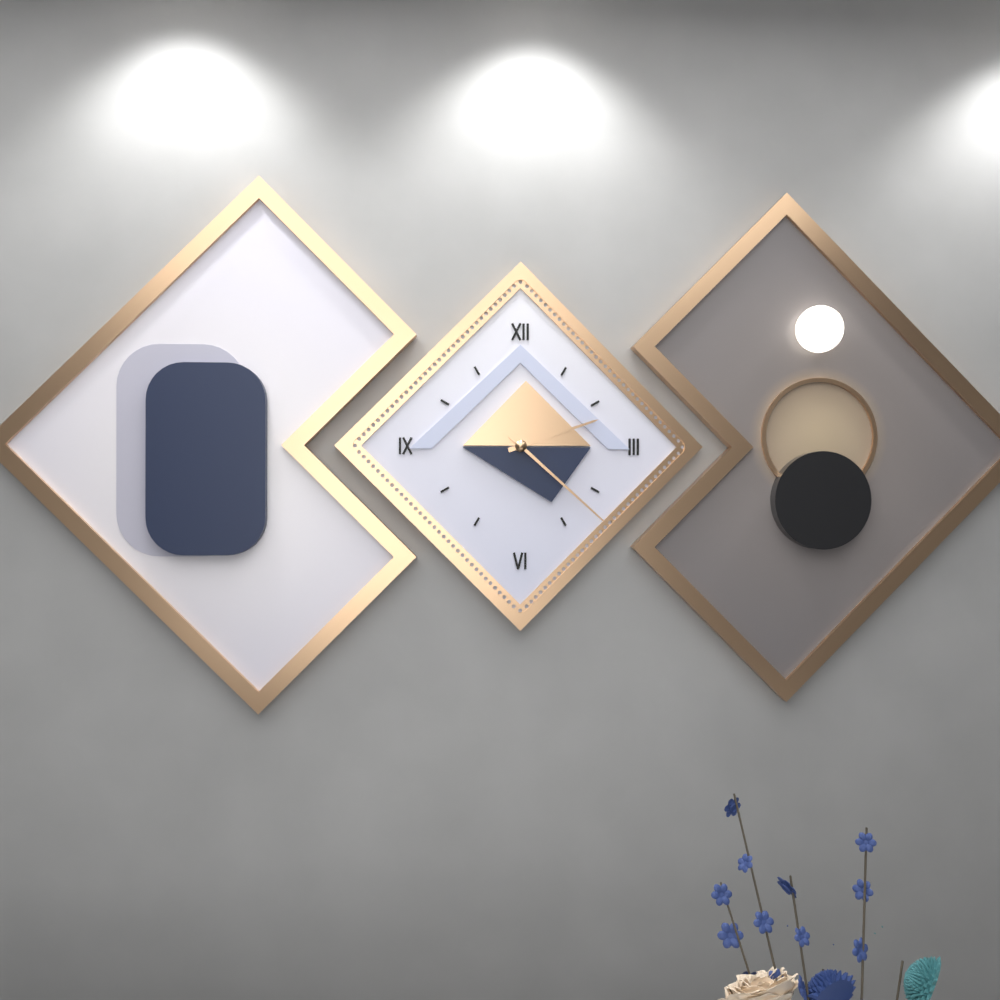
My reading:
2 h 22 min
